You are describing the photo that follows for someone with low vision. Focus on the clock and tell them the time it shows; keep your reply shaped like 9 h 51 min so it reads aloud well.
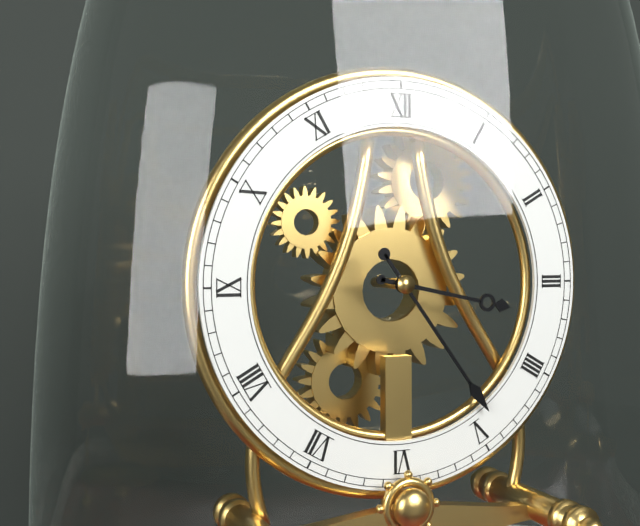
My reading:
3 h 24 min
